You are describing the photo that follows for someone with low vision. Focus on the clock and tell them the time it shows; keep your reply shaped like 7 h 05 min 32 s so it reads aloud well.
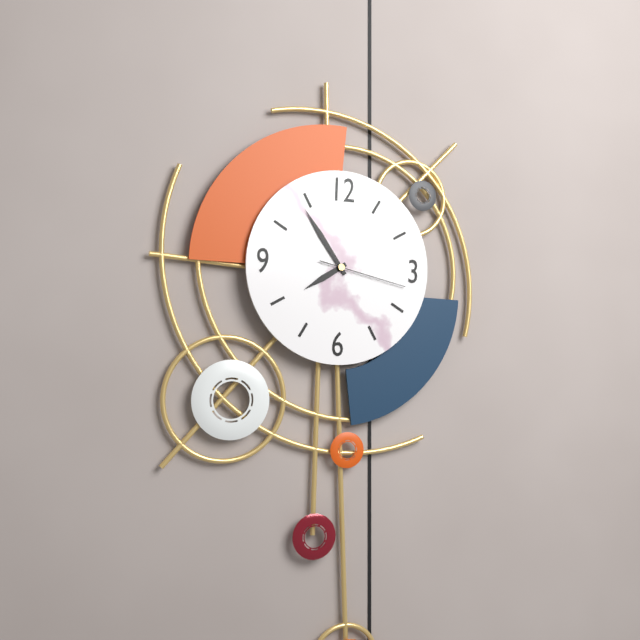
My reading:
7 h 54 min 17 s
